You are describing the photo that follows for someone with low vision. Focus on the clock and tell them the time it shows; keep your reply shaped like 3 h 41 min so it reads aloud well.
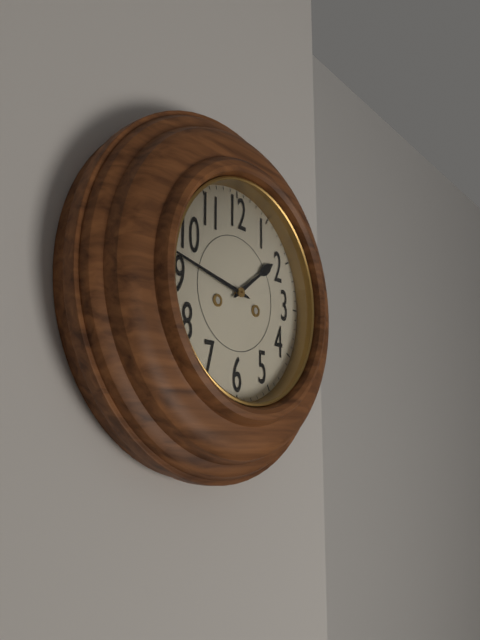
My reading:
1 h 47 min
